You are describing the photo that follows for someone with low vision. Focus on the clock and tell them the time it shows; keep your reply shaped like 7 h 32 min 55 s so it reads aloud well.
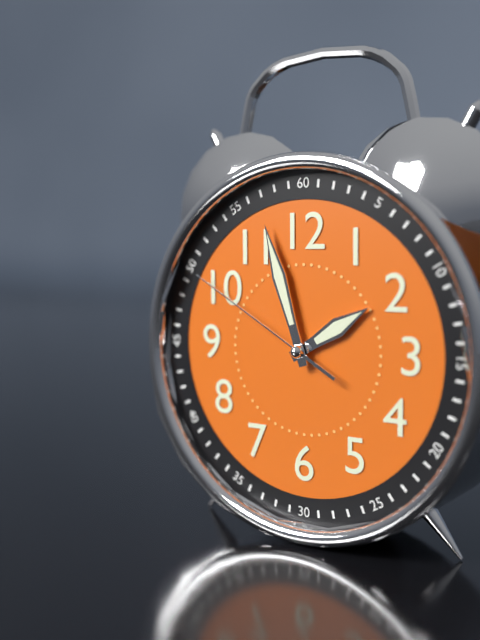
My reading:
1 h 57 min 50 s
